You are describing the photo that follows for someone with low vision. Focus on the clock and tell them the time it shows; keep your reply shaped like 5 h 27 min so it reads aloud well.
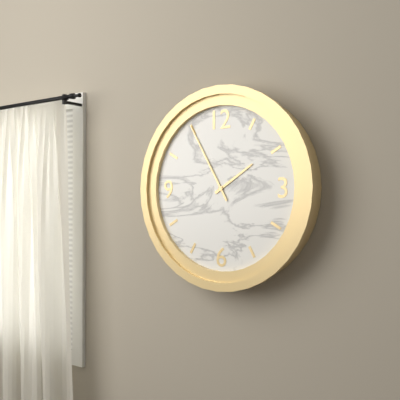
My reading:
1 h 55 min
